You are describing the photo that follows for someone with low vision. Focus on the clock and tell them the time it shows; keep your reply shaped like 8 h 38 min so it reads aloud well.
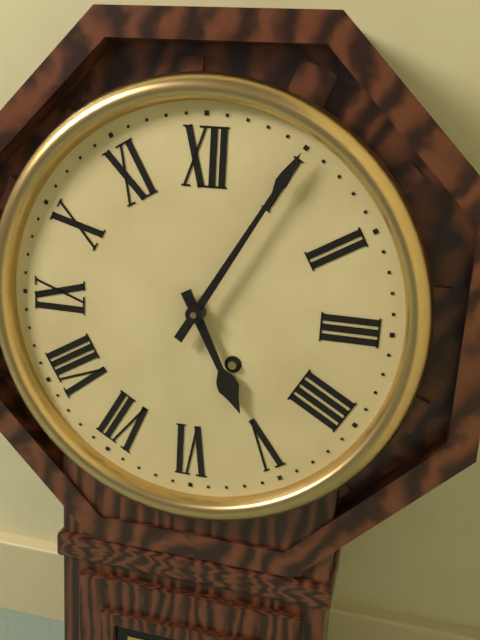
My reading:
5 h 05 min
